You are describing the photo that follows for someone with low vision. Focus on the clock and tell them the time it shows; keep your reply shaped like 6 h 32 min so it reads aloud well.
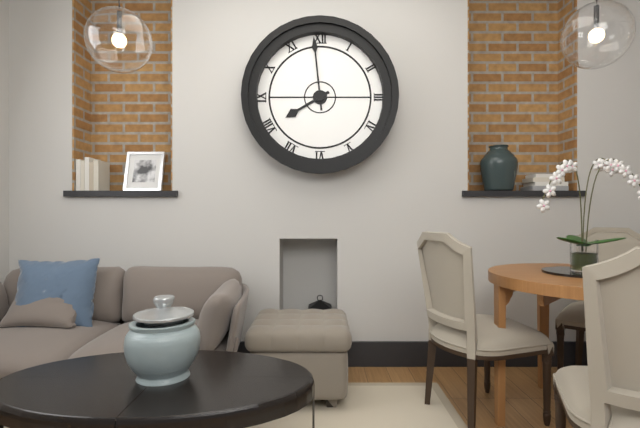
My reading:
7 h 59 min
